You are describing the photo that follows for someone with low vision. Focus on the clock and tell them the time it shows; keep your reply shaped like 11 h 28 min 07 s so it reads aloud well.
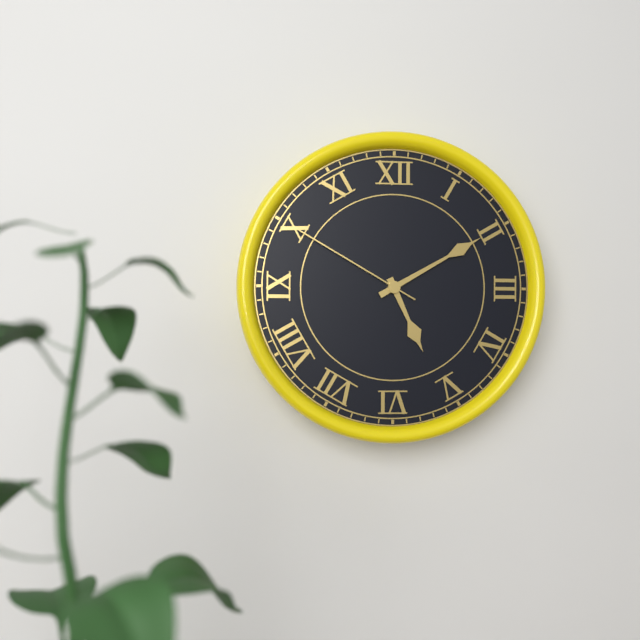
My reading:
5 h 10 min 50 s
